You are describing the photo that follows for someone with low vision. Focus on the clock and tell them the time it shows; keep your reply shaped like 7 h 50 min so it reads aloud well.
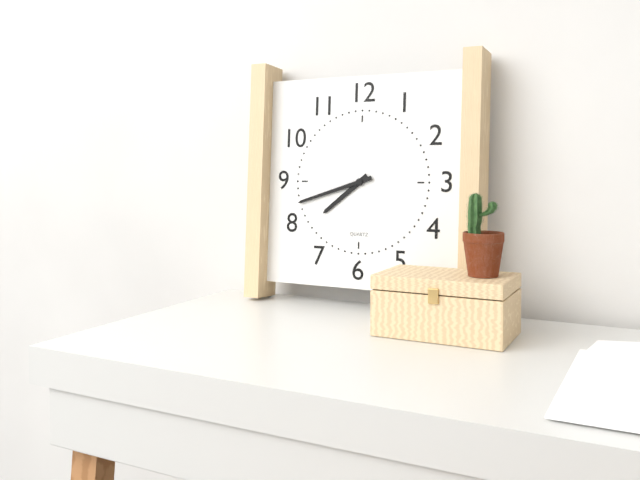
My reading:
7 h 42 min
